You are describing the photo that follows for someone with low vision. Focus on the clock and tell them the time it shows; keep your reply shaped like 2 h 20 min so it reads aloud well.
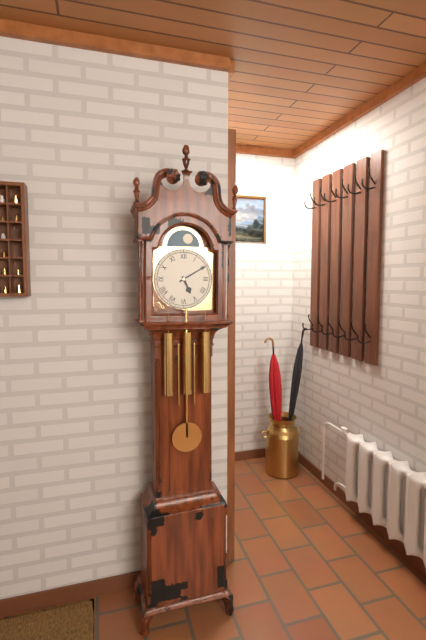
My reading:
5 h 10 min
